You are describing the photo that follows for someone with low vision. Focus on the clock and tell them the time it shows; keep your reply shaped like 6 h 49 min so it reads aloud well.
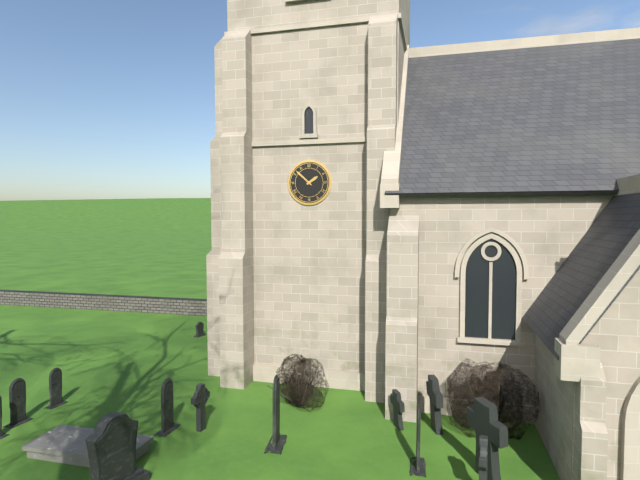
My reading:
1 h 52 min
